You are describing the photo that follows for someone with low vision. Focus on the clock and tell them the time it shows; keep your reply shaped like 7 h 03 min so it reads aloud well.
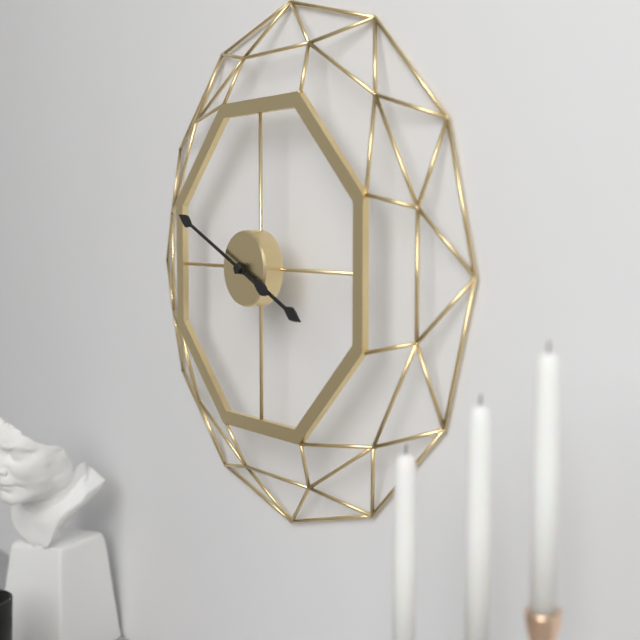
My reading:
3 h 49 min
